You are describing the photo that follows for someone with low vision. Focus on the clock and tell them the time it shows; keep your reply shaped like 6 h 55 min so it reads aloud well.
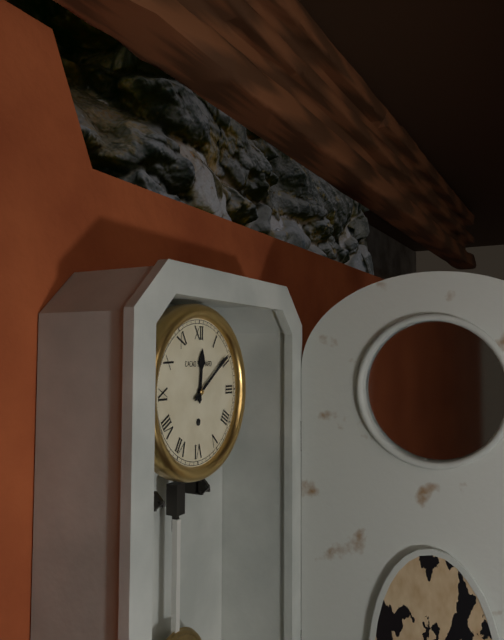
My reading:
12 h 09 min
